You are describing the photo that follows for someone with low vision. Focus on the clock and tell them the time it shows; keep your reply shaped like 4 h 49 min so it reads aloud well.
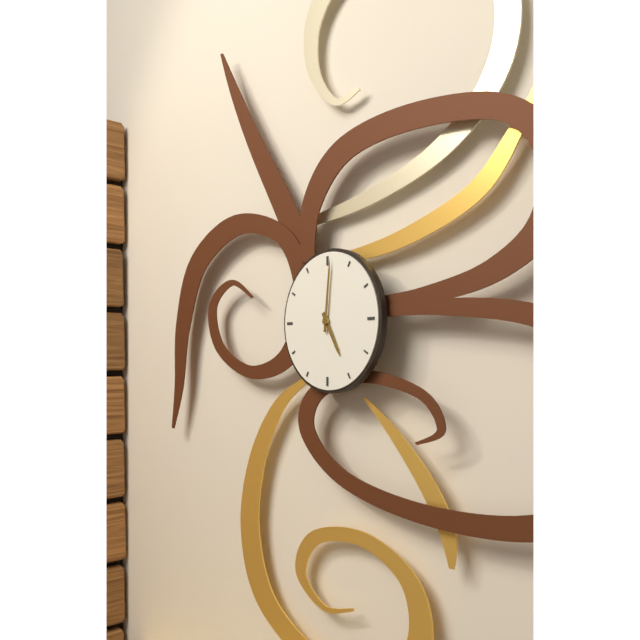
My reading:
5 h 01 min
